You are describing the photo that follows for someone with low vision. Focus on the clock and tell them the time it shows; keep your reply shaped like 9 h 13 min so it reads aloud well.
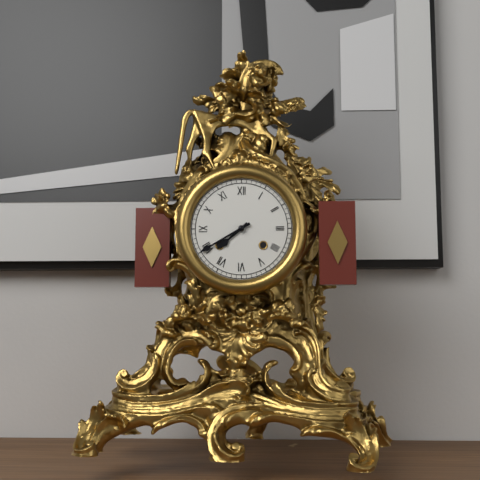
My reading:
7 h 40 min
